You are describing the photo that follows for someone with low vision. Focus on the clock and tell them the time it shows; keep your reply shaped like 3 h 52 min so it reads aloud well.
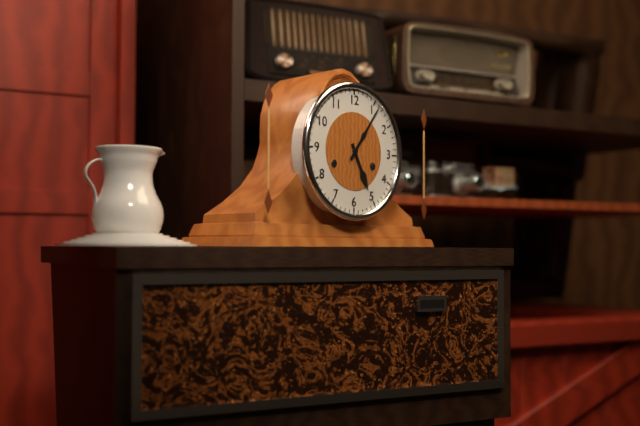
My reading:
5 h 06 min
